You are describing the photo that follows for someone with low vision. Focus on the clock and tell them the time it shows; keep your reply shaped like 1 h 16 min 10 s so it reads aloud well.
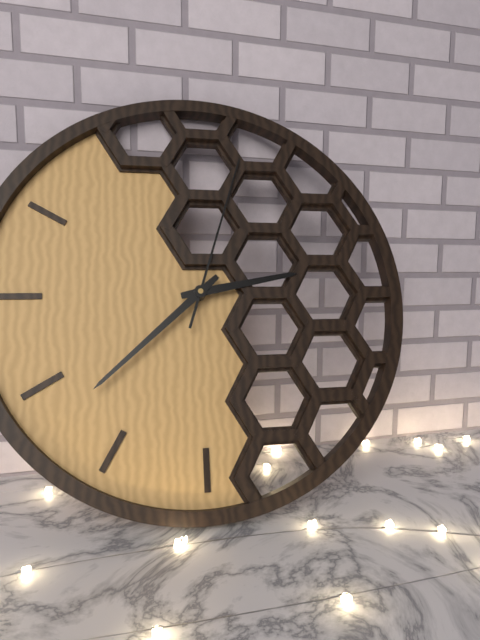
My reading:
2 h 38 min 03 s
